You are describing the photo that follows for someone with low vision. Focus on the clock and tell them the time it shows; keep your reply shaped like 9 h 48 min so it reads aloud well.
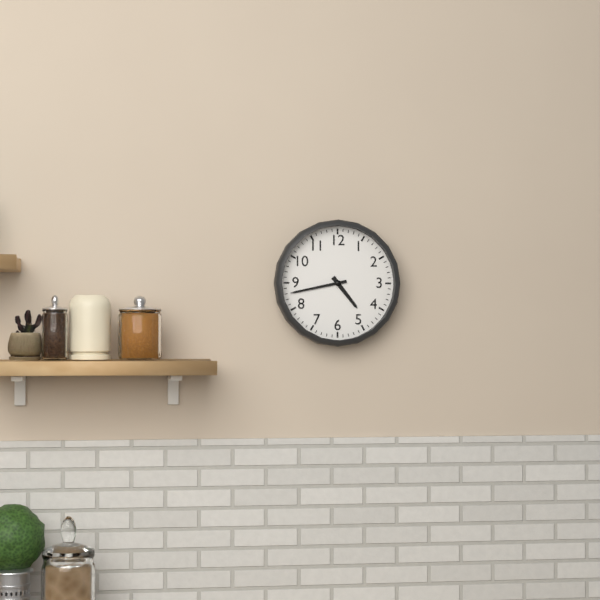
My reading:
4 h 43 min
